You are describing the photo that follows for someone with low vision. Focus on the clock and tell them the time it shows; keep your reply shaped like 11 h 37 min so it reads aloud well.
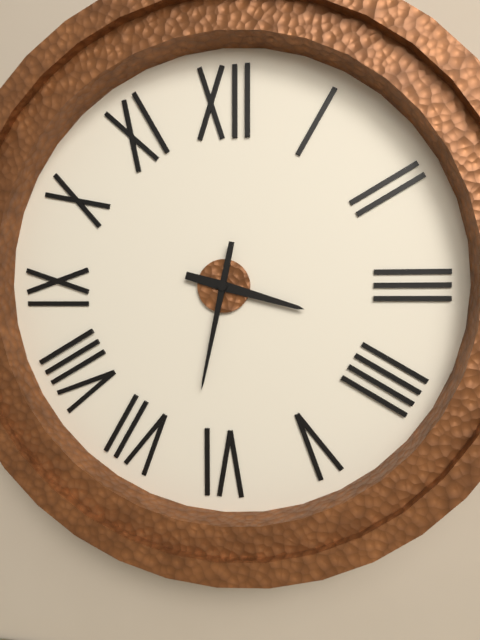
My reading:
3 h 32 min
